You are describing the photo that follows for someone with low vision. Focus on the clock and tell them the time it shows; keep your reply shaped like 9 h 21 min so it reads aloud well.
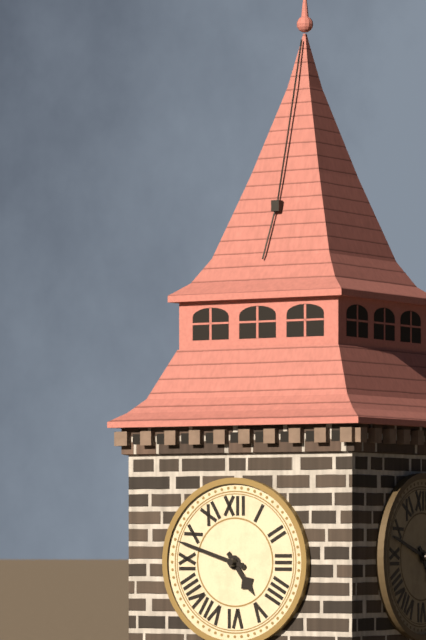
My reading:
4 h 48 min
